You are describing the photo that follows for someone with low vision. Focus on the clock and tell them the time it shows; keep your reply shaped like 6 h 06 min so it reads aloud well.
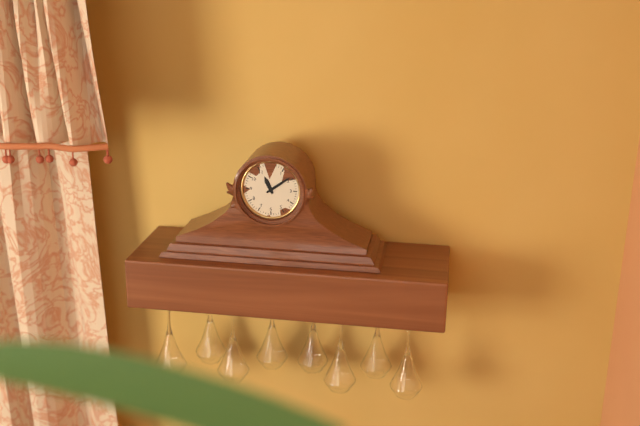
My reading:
11 h 09 min
